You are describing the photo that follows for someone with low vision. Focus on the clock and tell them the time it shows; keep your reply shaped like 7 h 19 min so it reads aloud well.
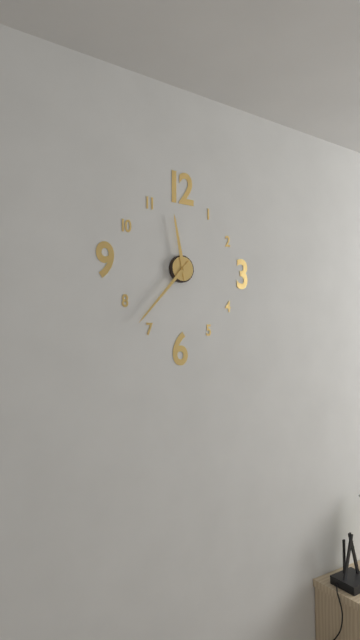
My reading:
11 h 37 min
